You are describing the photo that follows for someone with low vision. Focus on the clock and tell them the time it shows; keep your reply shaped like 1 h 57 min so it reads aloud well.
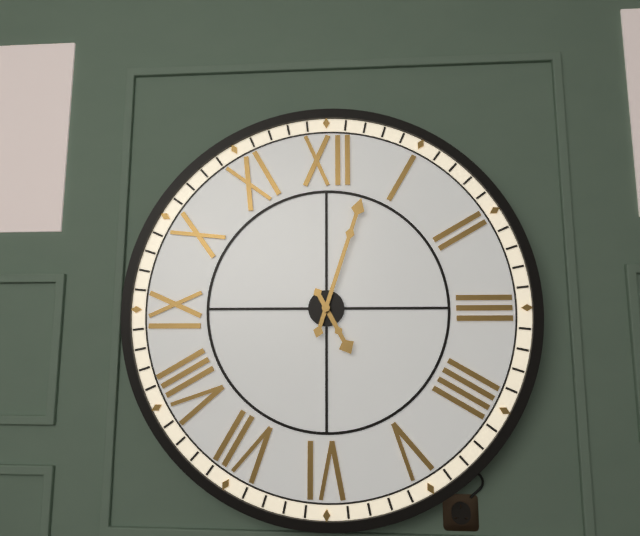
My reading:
5 h 03 min
